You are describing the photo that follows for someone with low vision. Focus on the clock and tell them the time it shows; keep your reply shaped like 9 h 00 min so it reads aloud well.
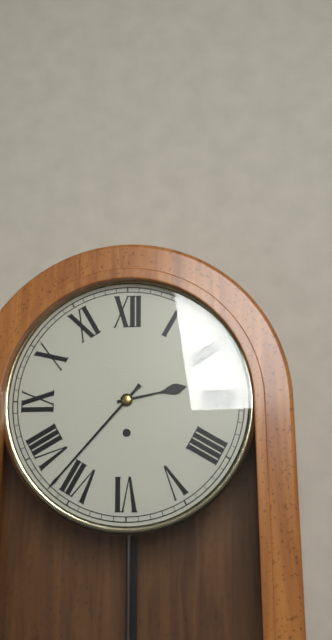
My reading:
2 h 37 min
